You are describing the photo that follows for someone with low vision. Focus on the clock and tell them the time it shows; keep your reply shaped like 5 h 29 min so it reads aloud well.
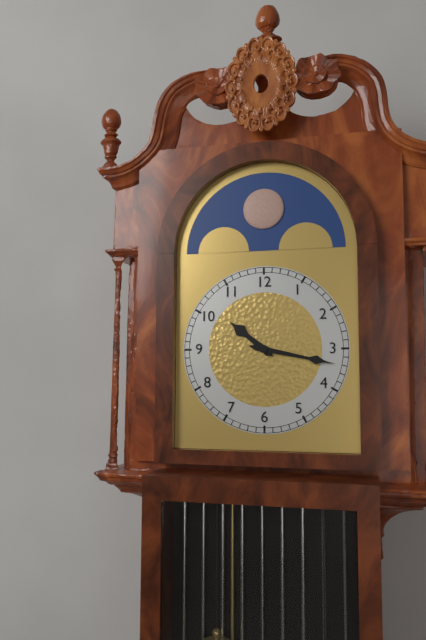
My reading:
10 h 17 min
